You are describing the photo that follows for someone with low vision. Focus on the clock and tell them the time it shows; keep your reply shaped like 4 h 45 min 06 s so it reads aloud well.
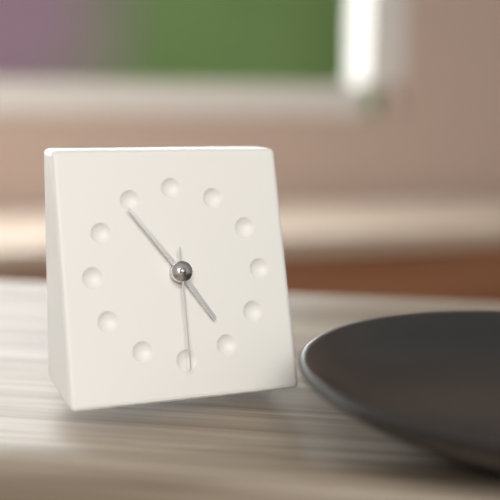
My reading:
4 h 54 min 30 s
